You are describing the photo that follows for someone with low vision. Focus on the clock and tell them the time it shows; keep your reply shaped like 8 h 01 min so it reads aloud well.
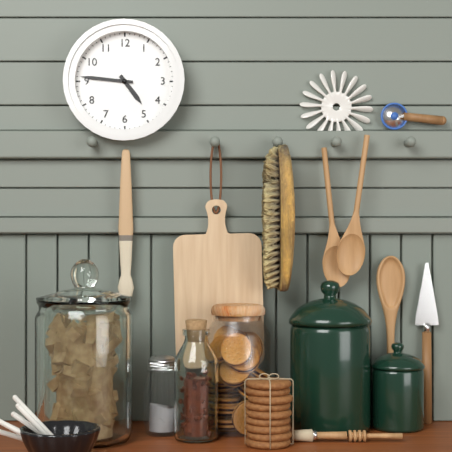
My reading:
4 h 46 min
